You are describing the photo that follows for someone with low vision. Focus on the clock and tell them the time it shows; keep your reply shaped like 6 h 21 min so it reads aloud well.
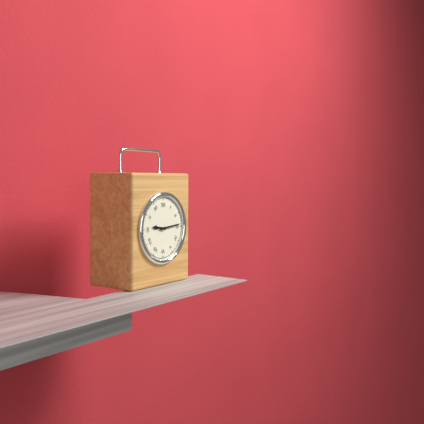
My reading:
9 h 14 min
